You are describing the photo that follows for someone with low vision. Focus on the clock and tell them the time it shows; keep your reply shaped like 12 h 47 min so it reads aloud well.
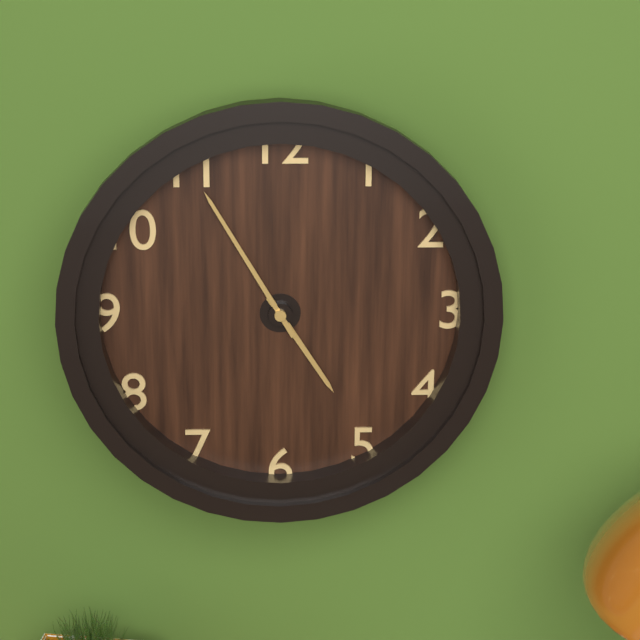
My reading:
4 h 55 min
